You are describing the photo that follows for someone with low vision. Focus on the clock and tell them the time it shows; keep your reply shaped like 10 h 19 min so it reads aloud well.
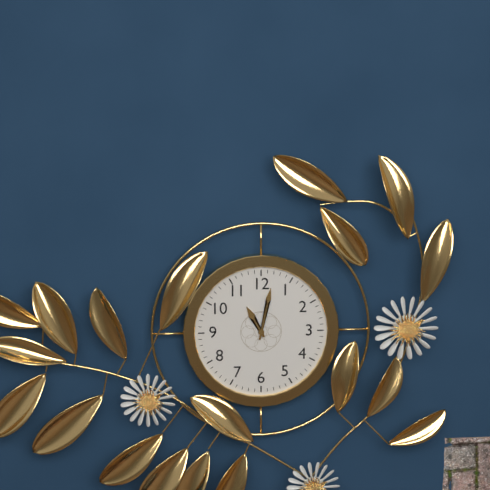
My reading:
11 h 02 min
